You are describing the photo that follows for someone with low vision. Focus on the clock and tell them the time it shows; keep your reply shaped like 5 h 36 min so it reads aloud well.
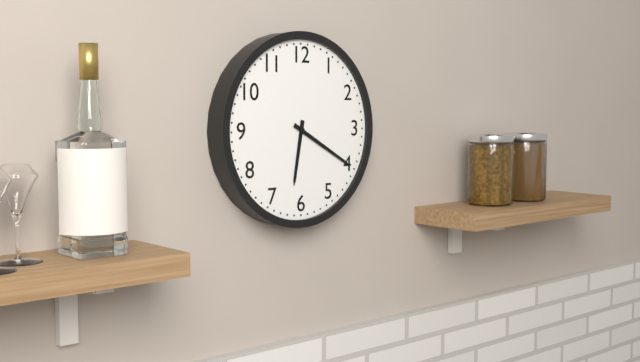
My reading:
6 h 20 min
